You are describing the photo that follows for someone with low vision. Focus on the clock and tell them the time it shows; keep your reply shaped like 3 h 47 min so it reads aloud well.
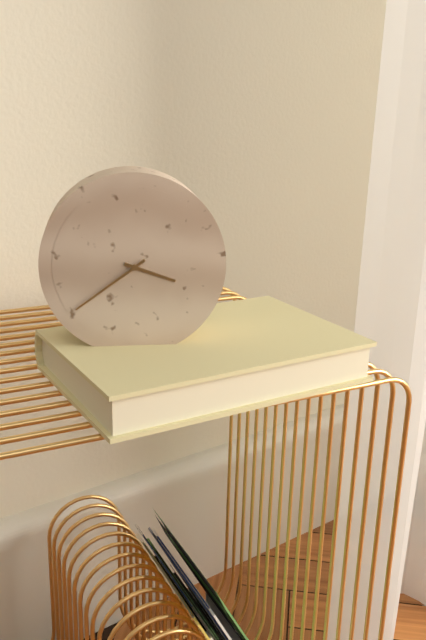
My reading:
3 h 39 min
